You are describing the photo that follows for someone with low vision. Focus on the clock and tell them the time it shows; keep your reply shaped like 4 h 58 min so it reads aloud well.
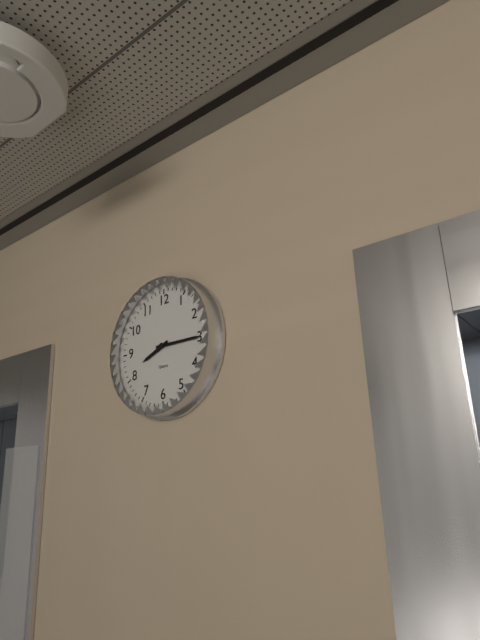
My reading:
8 h 15 min
